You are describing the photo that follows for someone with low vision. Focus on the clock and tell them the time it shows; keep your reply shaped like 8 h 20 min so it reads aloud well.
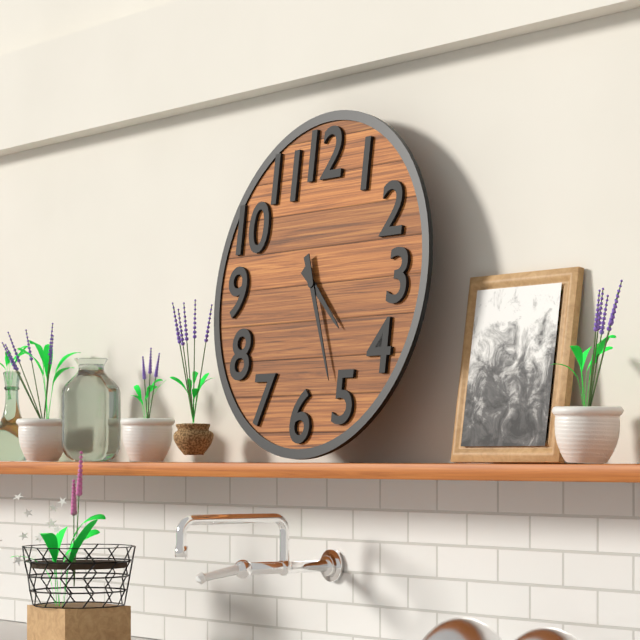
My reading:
4 h 26 min
